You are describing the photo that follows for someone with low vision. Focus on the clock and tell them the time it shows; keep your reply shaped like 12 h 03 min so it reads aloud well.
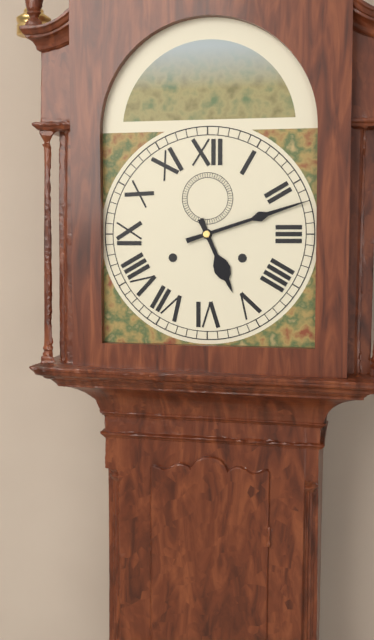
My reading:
5 h 12 min
